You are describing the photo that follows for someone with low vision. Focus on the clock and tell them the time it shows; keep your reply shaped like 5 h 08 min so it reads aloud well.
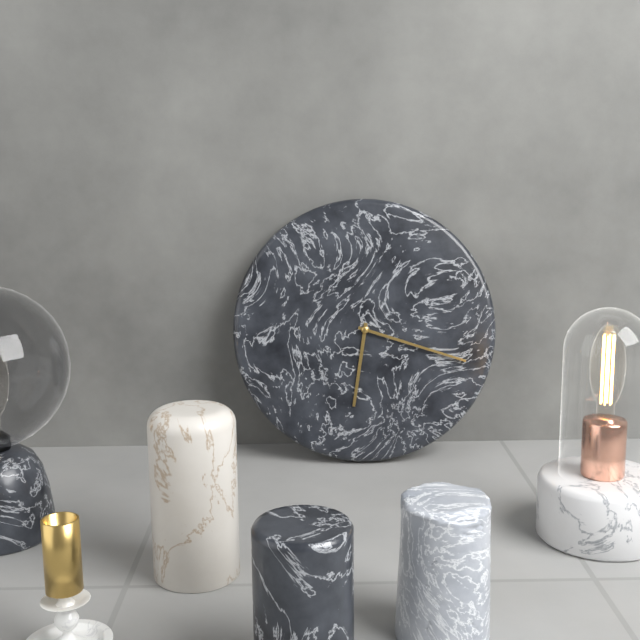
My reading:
6 h 18 min
